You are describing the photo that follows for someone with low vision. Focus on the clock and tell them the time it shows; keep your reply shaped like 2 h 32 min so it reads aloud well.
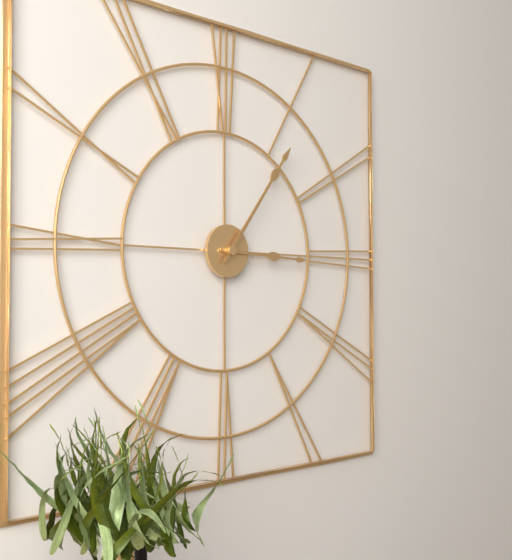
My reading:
3 h 06 min
